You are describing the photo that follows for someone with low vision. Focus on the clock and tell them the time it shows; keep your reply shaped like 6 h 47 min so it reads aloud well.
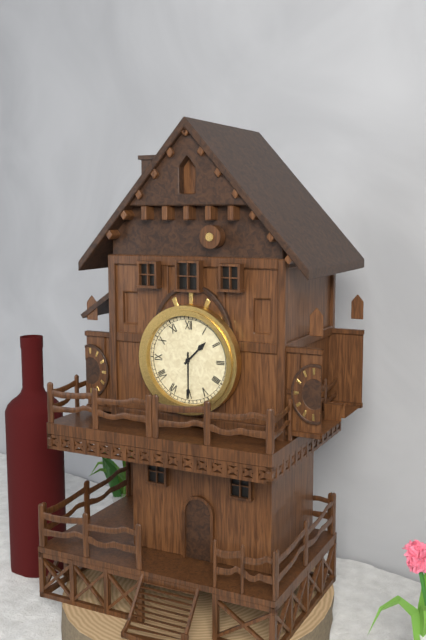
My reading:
1 h 30 min
